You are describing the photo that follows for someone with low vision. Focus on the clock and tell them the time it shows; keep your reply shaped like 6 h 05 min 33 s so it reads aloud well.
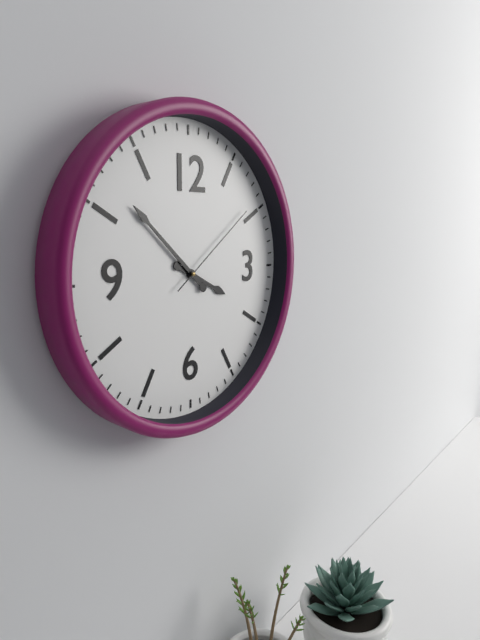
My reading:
3 h 52 min 09 s
